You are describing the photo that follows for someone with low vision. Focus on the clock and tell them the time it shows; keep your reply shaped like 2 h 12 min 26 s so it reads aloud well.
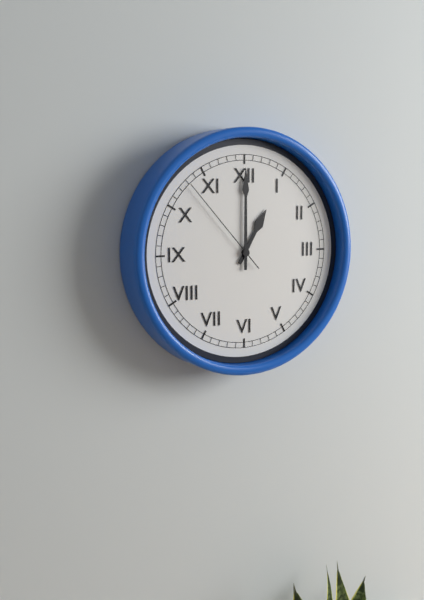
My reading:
1 h 00 min 53 s
